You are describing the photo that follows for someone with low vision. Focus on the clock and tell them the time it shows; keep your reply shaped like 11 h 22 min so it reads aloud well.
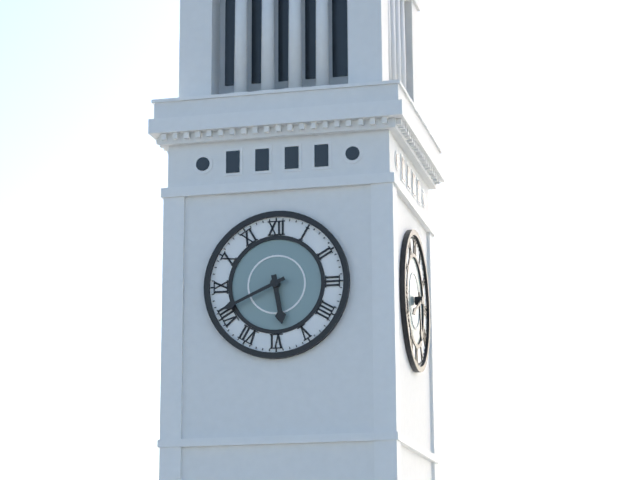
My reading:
5 h 41 min
